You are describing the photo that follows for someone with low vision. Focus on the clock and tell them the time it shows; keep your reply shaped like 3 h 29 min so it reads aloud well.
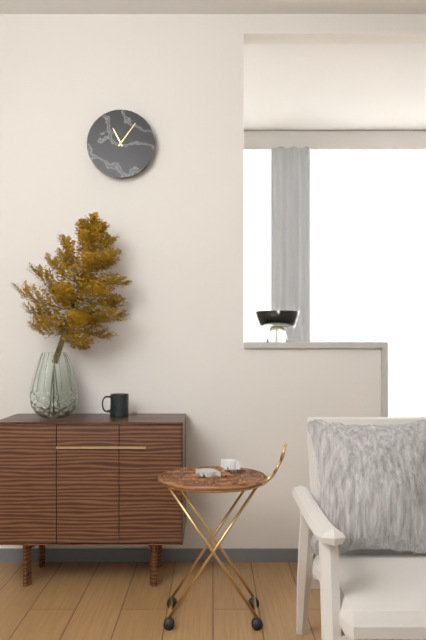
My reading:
11 h 06 min
